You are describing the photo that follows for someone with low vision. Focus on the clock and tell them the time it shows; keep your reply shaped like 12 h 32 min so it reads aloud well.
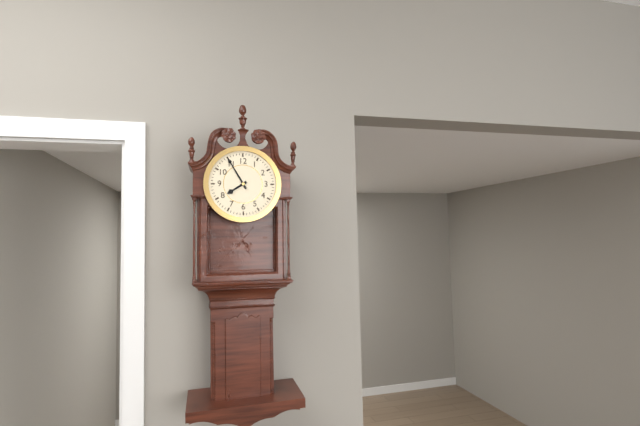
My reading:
7 h 55 min
